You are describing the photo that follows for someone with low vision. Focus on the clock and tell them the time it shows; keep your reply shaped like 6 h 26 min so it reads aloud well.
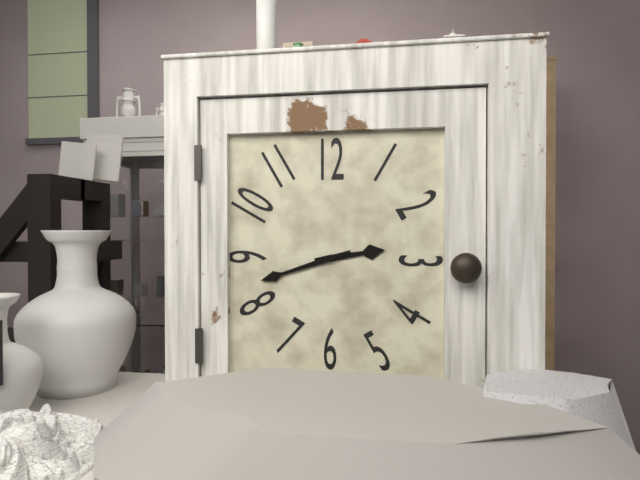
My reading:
2 h 42 min
